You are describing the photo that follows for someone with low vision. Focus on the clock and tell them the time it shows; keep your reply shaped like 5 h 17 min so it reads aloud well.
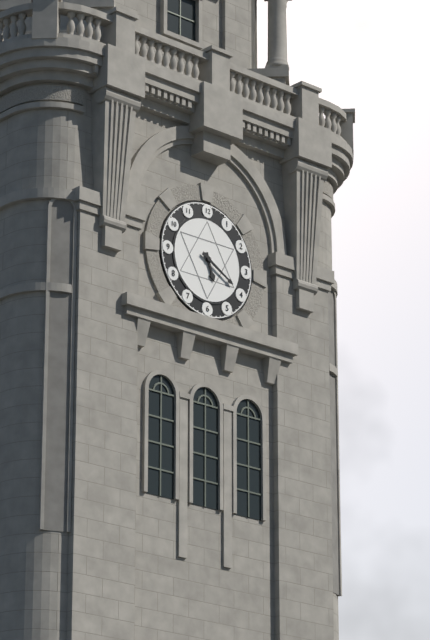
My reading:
5 h 20 min
